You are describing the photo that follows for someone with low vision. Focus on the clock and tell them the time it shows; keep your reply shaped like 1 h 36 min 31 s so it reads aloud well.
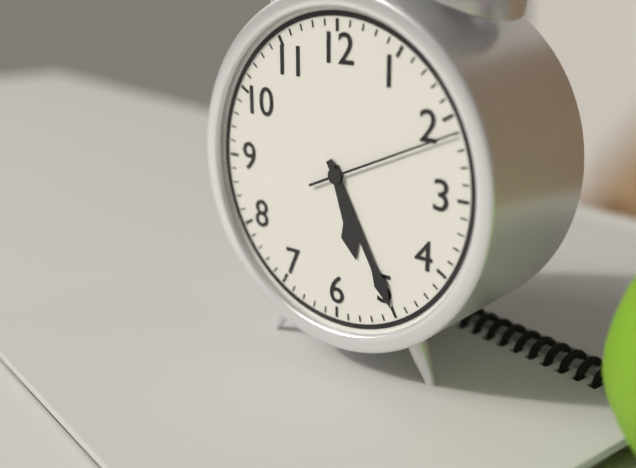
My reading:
5 h 25 min 11 s
